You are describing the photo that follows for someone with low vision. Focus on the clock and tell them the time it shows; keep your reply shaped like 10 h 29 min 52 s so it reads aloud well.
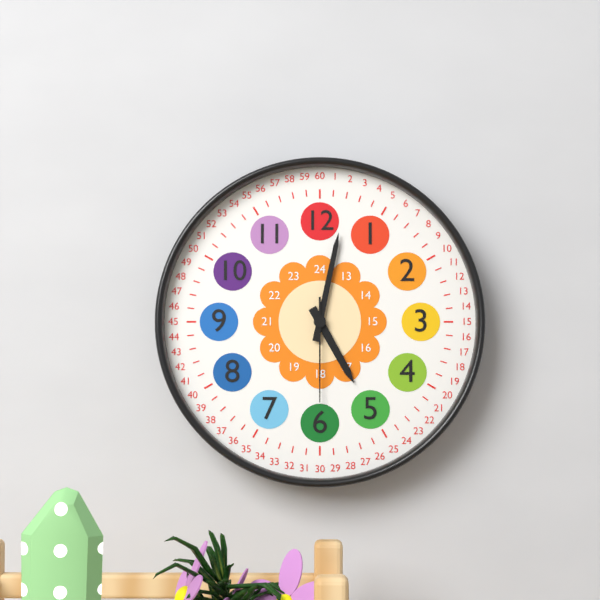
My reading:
5 h 02 min 30 s
